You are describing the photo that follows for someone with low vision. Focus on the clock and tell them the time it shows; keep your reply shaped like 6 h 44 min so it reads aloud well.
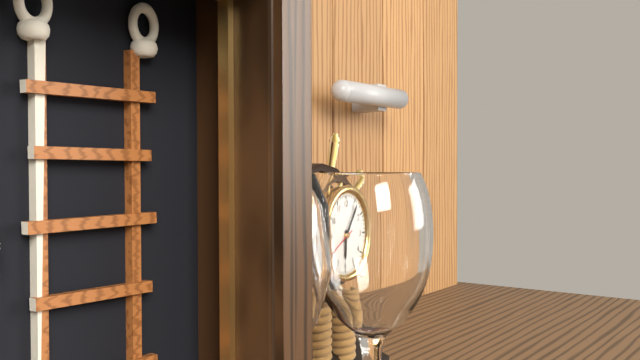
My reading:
6 h 06 min
